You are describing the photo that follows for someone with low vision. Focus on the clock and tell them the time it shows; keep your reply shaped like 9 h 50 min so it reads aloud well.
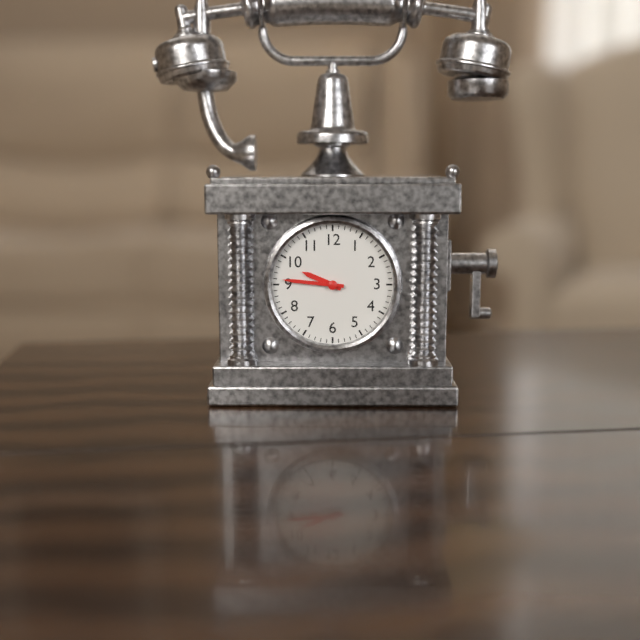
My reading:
9 h 46 min
